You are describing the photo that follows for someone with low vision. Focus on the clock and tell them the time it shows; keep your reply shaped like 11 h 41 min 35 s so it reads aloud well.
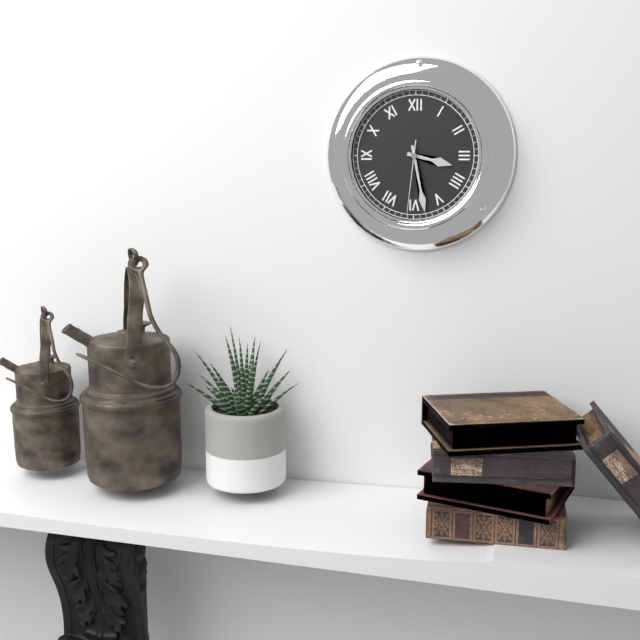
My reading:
3 h 28 min 31 s
